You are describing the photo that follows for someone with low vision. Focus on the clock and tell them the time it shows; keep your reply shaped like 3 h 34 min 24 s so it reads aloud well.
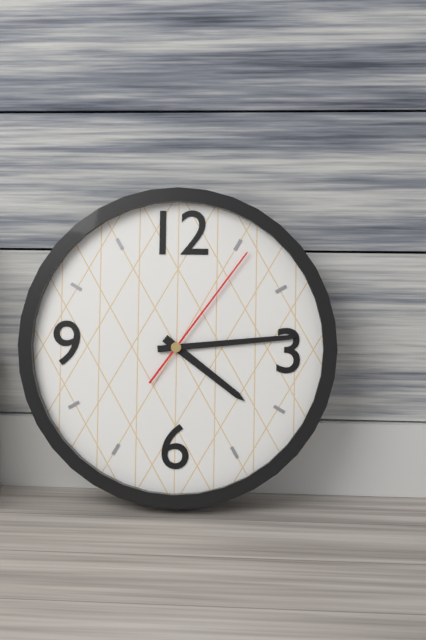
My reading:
4 h 14 min 06 s
